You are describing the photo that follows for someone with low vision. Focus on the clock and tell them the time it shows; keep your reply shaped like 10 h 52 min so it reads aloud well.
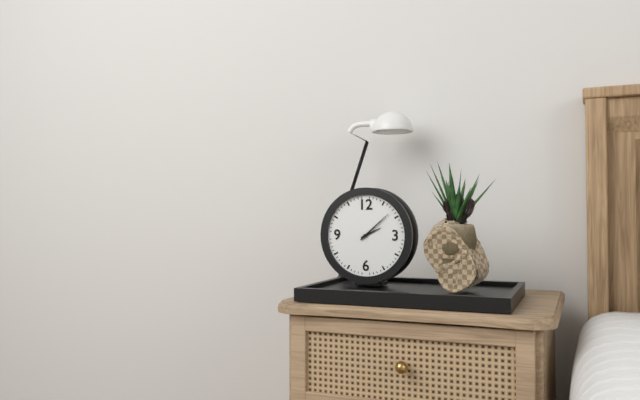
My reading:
2 h 08 min
